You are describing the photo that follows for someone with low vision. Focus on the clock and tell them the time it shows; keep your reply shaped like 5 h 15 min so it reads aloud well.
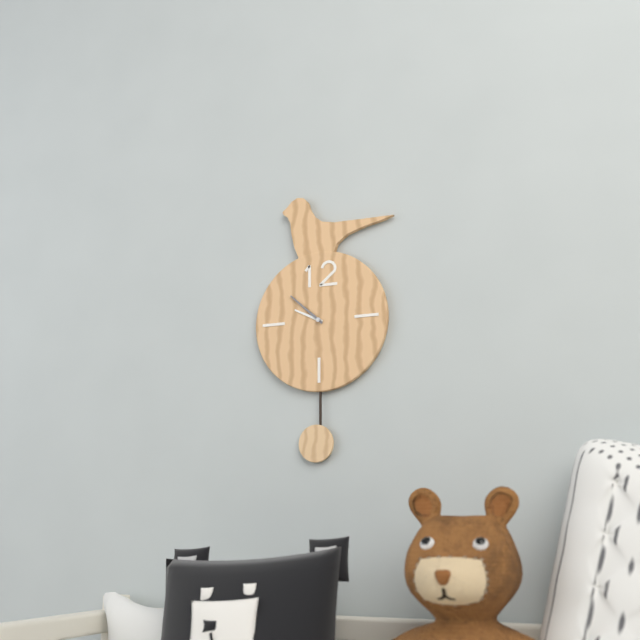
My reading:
9 h 52 min
